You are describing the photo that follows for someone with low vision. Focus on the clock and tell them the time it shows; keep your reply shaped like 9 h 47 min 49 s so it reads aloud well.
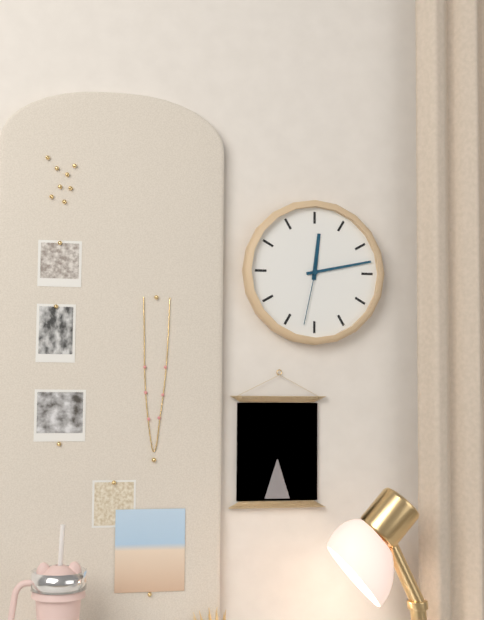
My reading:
12 h 13 min 32 s
